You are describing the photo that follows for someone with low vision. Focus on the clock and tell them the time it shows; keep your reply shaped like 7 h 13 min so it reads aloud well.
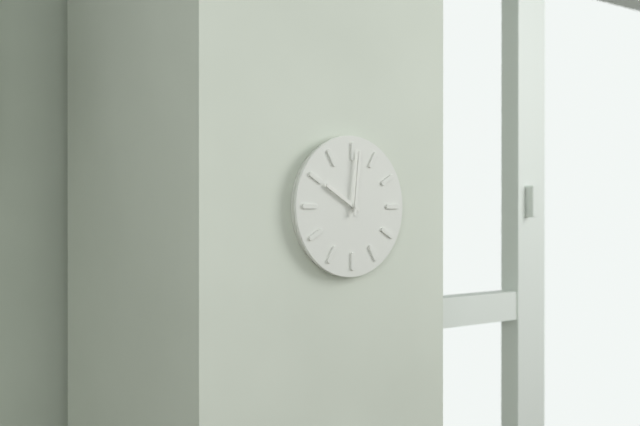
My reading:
10 h 01 min
